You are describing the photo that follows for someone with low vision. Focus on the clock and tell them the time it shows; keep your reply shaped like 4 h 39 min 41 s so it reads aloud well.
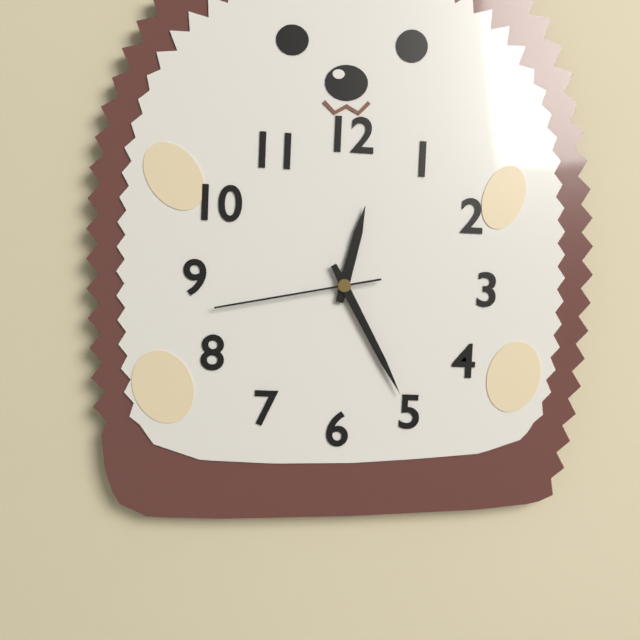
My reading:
12 h 25 min 43 s
